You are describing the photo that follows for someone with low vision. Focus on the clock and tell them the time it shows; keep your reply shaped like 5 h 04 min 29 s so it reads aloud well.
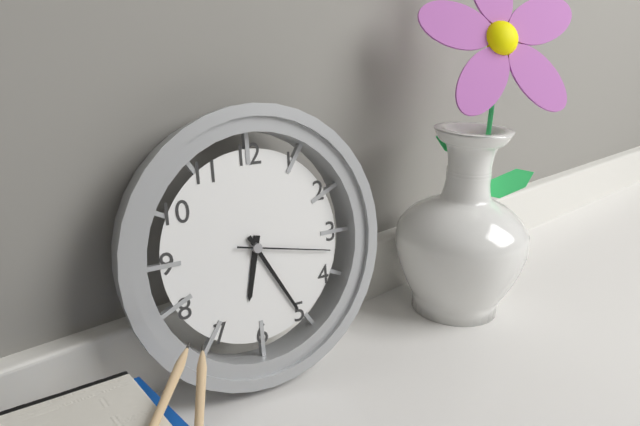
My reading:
6 h 25 min 17 s
